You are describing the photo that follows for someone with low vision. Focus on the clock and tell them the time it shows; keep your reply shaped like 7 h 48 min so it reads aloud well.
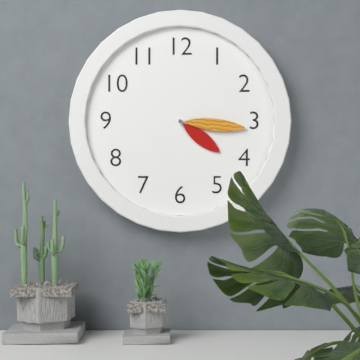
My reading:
4 h 16 min
